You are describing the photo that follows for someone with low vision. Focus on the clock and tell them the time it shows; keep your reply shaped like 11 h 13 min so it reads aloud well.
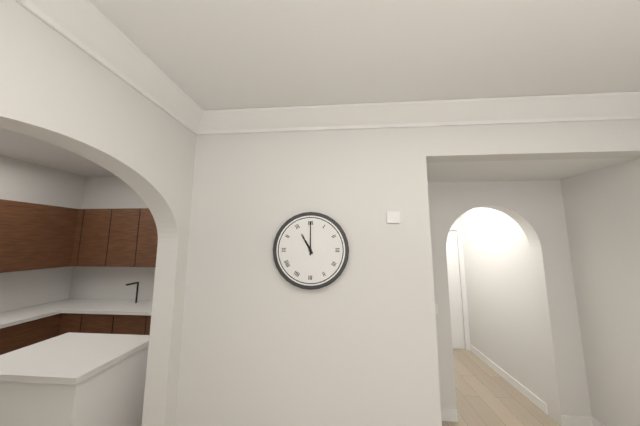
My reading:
11 h 00 min
